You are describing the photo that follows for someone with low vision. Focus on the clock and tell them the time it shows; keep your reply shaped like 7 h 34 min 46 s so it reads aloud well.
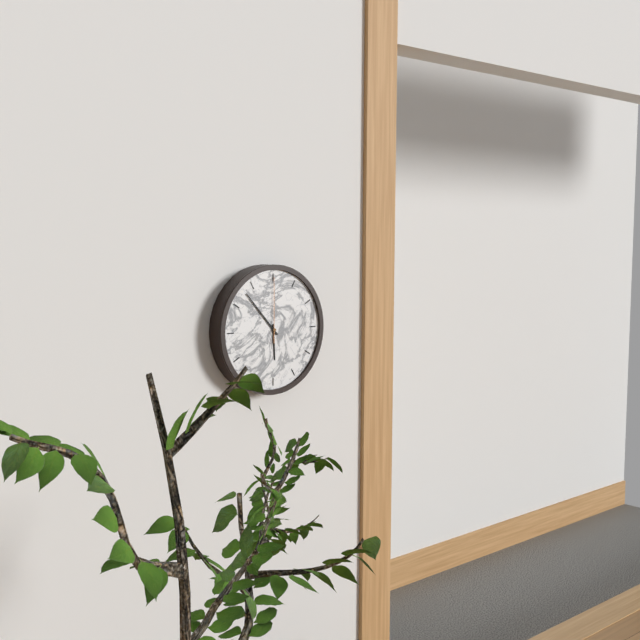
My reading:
5 h 53 min 00 s
